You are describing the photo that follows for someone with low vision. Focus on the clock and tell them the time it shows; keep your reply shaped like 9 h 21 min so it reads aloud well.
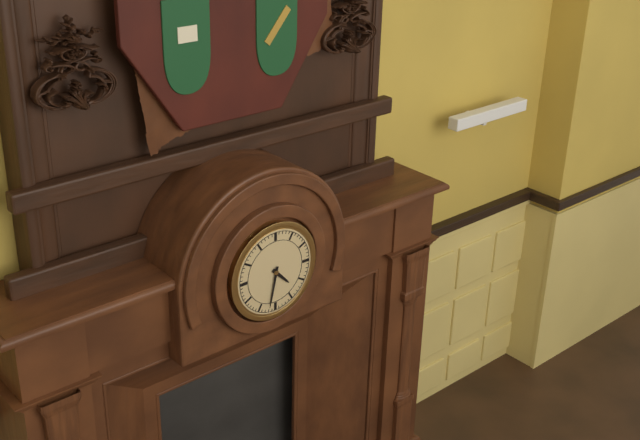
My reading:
4 h 32 min
